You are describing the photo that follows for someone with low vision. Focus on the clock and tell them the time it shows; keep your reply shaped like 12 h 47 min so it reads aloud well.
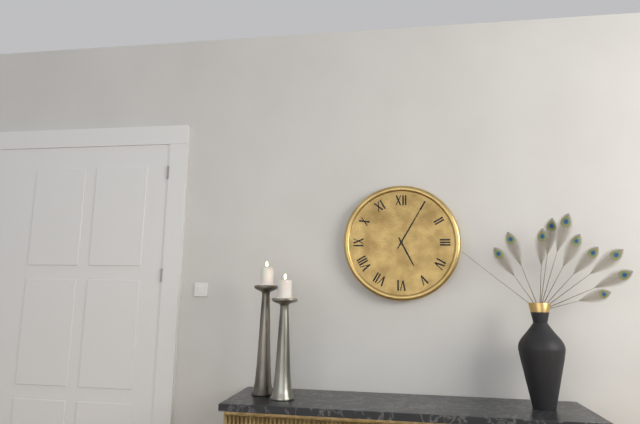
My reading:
5 h 05 min
